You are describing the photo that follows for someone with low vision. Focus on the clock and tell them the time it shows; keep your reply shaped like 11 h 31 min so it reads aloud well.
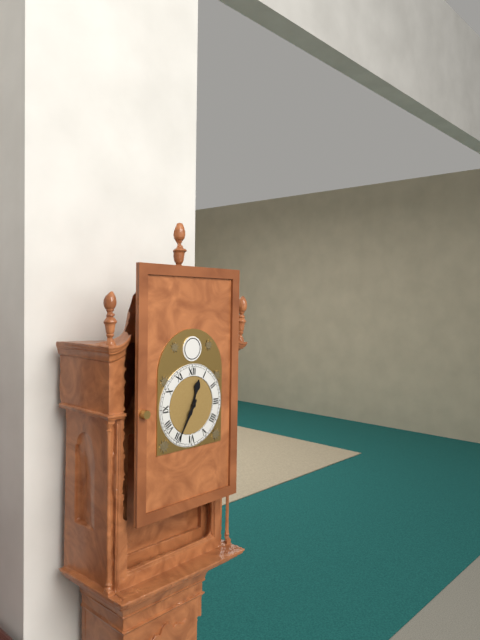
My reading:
12 h 35 min
